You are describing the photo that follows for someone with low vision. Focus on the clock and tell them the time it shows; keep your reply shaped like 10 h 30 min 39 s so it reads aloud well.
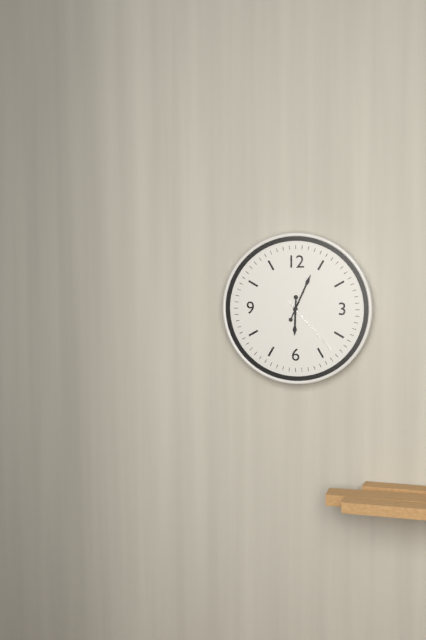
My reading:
6 h 04 min 23 s
